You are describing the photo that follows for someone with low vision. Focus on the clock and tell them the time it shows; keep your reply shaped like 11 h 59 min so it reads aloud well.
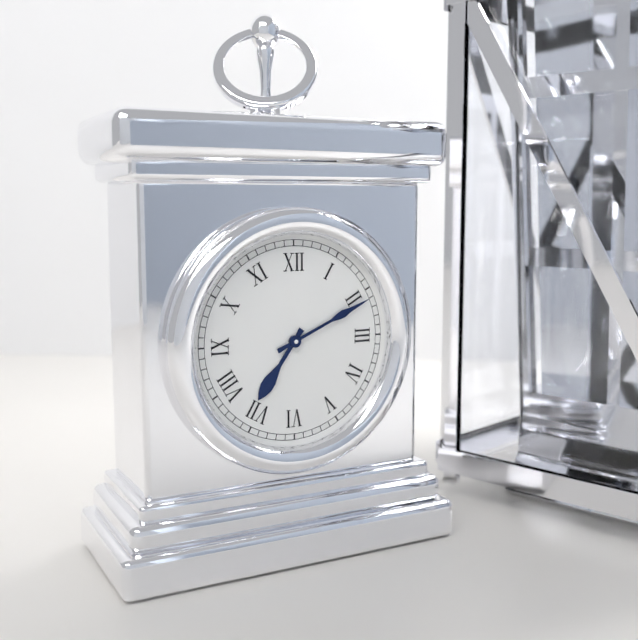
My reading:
7 h 11 min
